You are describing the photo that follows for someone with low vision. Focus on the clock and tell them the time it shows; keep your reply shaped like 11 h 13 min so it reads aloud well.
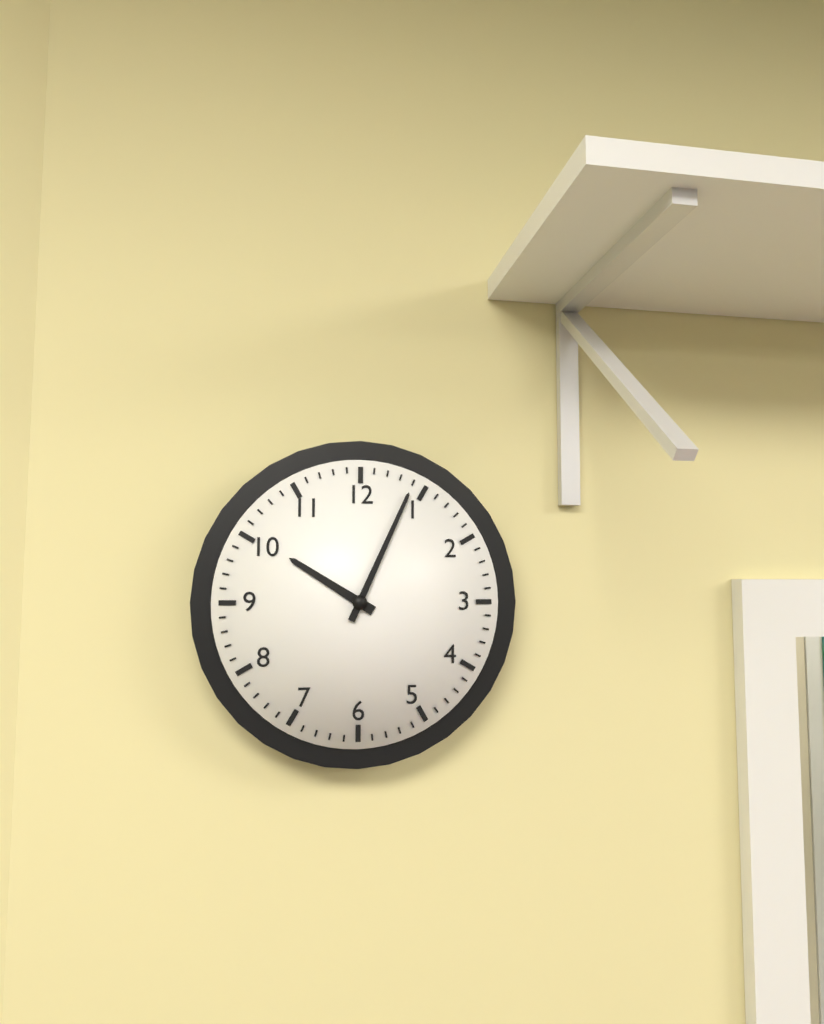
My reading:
10 h 04 min
